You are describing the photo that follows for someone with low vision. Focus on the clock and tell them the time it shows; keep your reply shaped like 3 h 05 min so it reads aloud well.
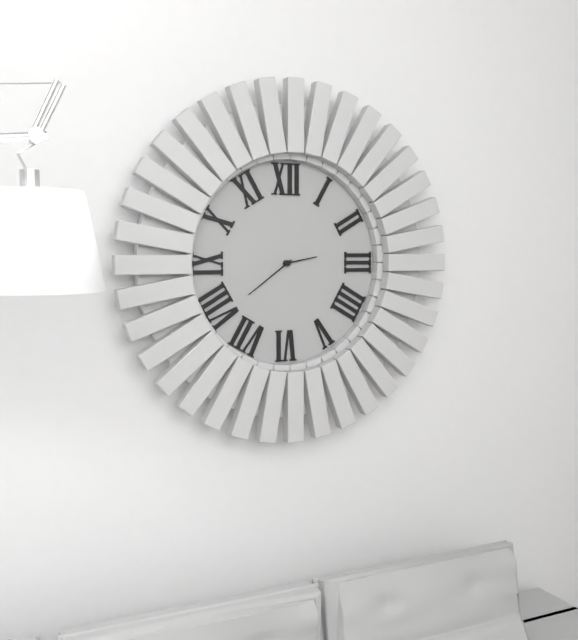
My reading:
2 h 39 min
